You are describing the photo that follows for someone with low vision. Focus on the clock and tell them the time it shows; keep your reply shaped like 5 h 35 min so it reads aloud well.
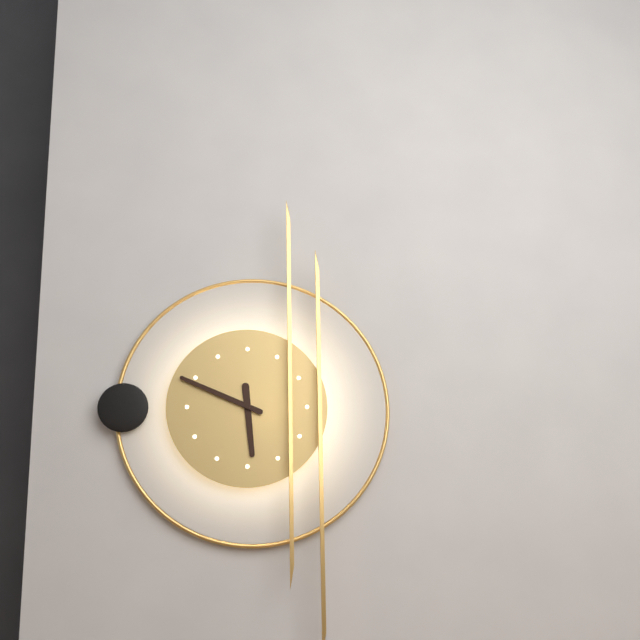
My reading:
5 h 49 min
